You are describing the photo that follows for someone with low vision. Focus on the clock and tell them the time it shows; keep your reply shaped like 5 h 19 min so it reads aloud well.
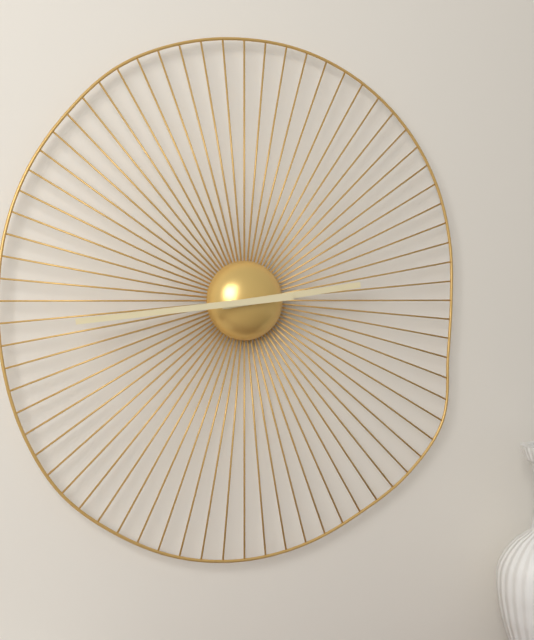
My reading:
2 h 44 min
